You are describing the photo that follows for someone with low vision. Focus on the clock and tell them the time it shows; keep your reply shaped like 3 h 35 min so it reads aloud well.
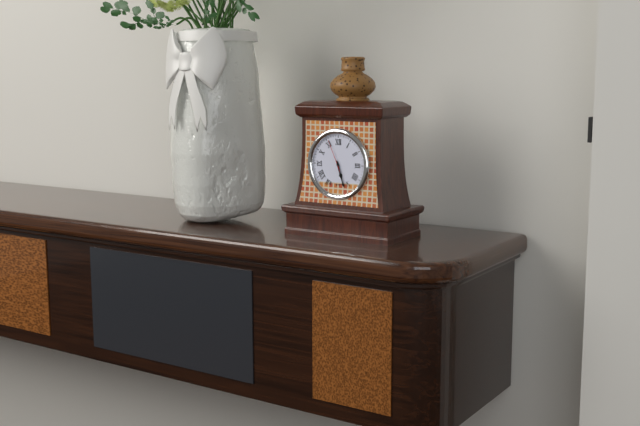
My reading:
5 h 27 min
